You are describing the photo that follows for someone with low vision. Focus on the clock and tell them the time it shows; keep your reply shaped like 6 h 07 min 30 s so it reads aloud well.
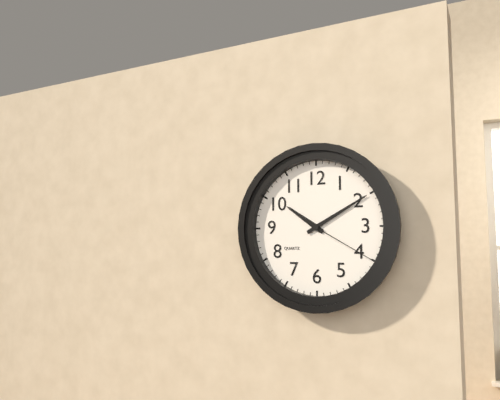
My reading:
10 h 10 min 20 s
